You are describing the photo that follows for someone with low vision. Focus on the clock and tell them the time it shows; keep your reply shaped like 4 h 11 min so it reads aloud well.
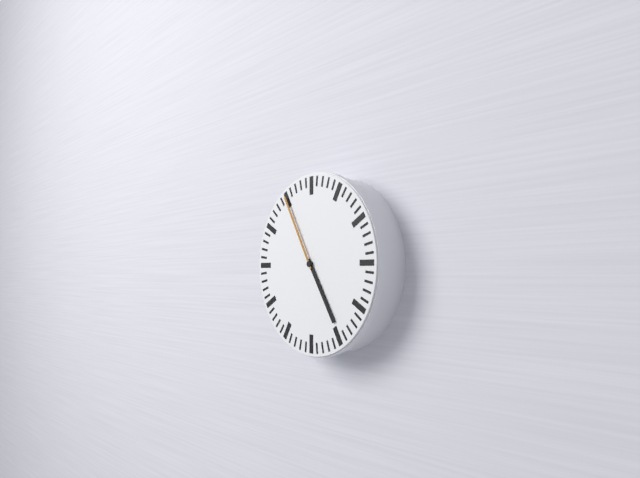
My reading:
4 h 55 min
